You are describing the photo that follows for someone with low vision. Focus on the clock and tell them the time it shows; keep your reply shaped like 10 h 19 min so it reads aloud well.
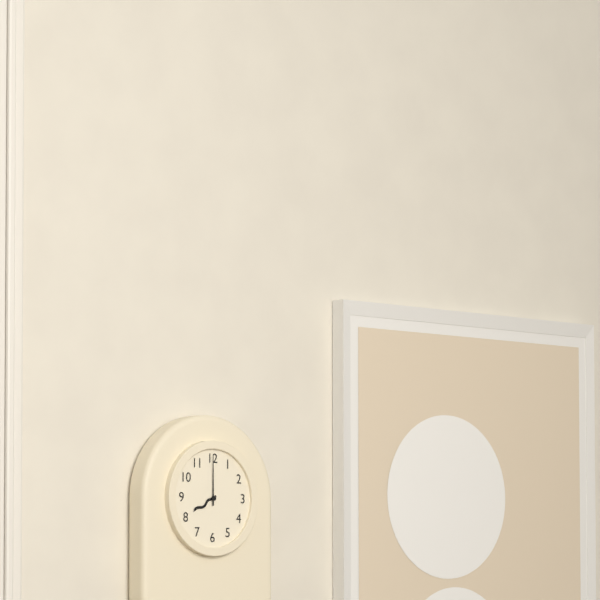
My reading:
8 h 00 min
